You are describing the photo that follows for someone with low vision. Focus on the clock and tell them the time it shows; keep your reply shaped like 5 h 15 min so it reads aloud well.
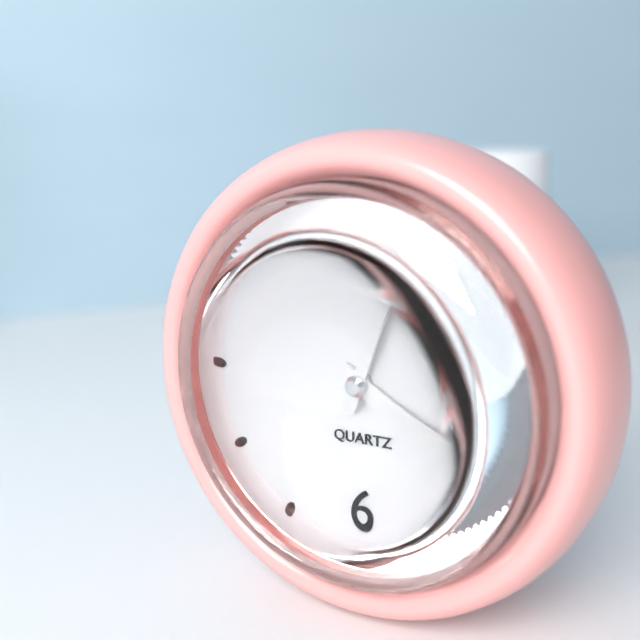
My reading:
4 h 03 min
